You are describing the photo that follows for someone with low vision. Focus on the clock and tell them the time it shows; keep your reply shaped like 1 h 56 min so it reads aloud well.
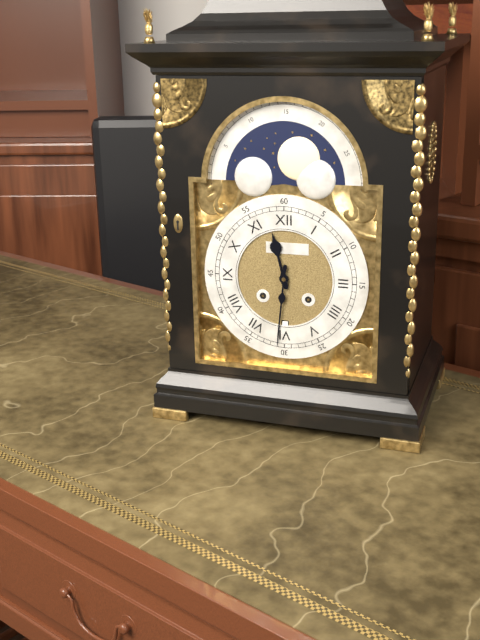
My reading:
11 h 31 min
